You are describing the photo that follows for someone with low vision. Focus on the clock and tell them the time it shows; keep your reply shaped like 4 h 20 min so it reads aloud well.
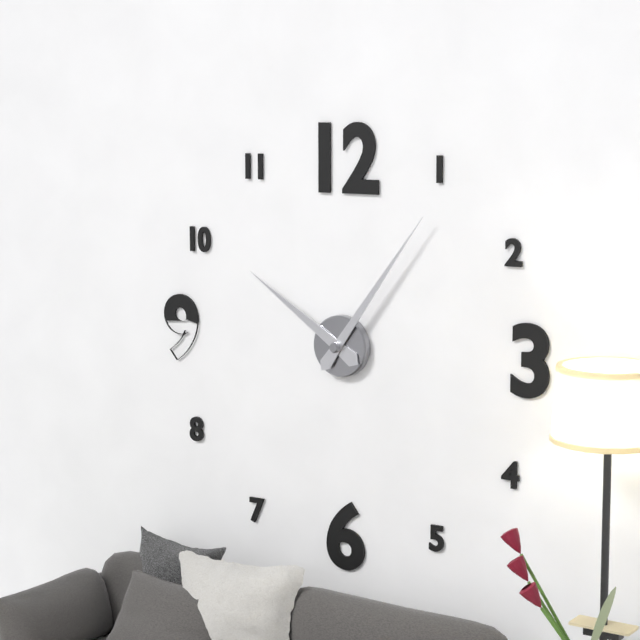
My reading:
10 h 06 min
